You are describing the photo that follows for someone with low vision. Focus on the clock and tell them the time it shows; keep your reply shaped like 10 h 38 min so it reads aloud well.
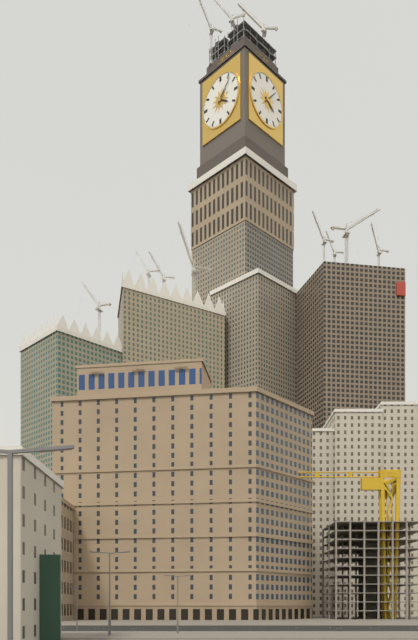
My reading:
4 h 07 min
